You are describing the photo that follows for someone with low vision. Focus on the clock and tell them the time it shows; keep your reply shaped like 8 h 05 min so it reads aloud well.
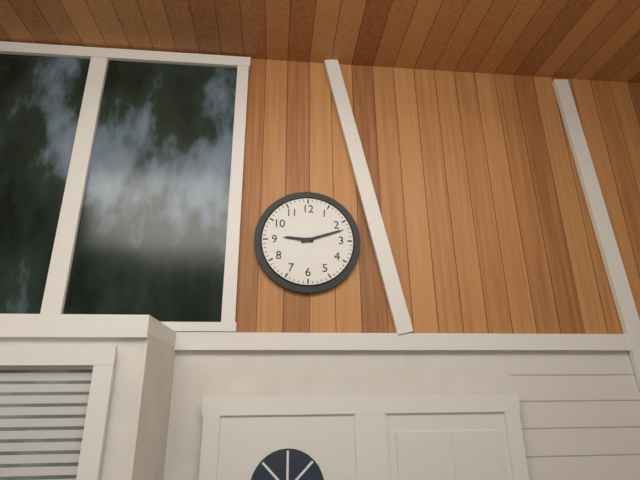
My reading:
9 h 12 min
